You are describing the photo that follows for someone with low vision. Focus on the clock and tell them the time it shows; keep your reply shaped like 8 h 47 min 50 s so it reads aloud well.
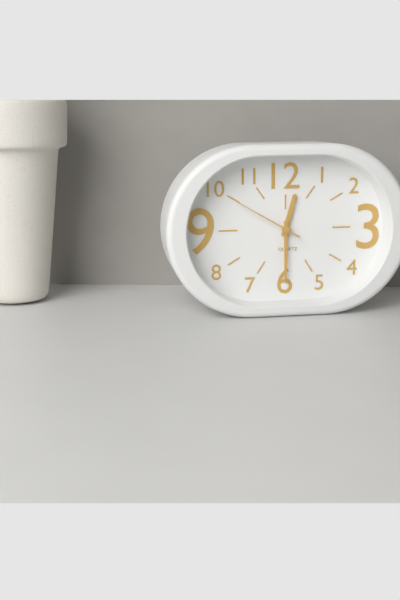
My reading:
12 h 30 min 50 s
